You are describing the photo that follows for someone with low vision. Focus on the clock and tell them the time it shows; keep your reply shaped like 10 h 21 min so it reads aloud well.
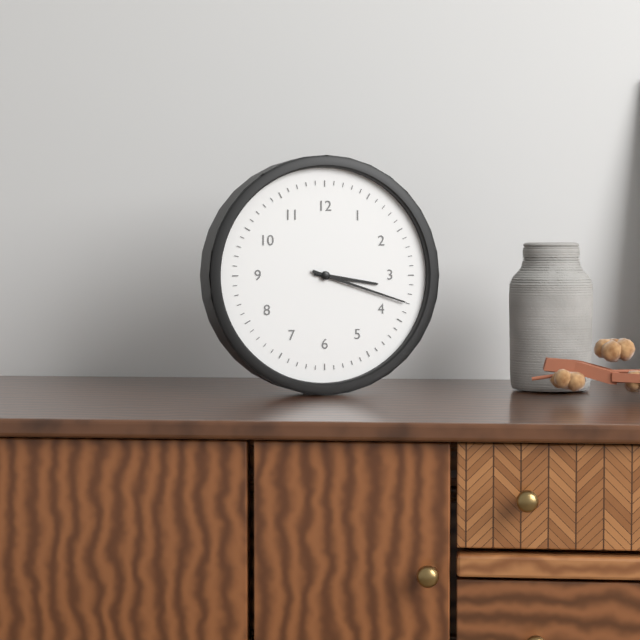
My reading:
3 h 18 min
